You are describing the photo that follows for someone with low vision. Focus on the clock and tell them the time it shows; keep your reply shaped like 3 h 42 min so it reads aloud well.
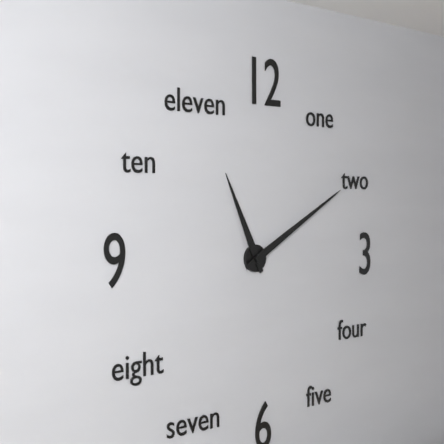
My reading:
11 h 10 min
